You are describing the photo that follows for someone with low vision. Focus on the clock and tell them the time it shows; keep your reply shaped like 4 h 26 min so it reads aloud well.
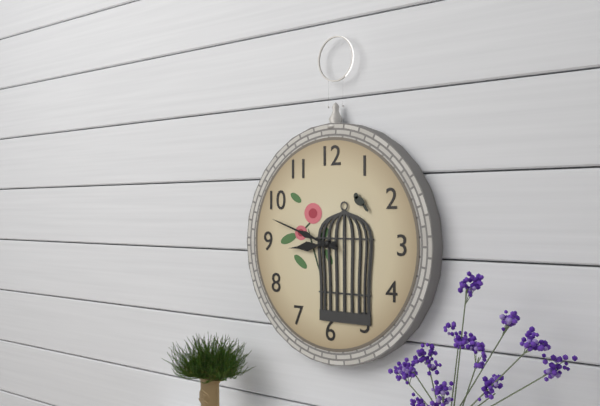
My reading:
8 h 48 min
